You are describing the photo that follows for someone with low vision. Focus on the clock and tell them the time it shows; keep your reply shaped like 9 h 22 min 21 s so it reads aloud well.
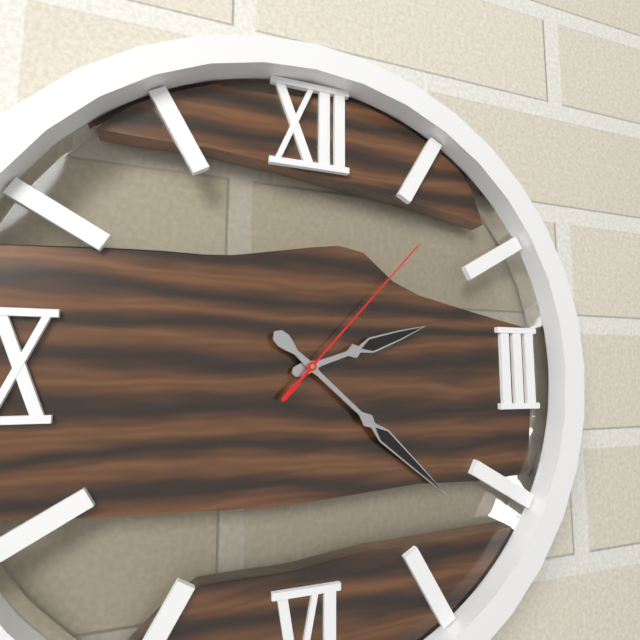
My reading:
2 h 22 min 07 s
